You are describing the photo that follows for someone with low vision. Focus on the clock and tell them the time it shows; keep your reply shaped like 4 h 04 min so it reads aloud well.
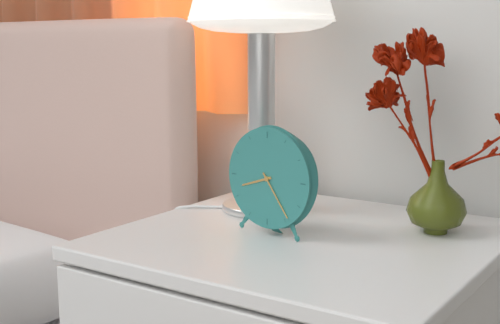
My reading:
8 h 24 min
